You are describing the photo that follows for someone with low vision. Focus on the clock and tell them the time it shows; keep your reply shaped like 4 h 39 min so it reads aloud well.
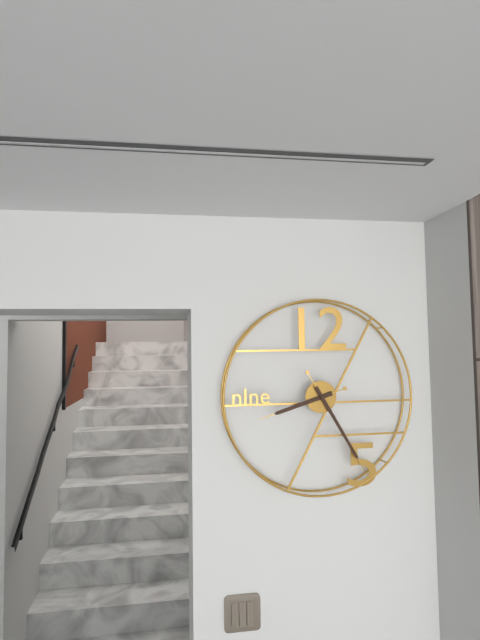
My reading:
8 h 25 min
